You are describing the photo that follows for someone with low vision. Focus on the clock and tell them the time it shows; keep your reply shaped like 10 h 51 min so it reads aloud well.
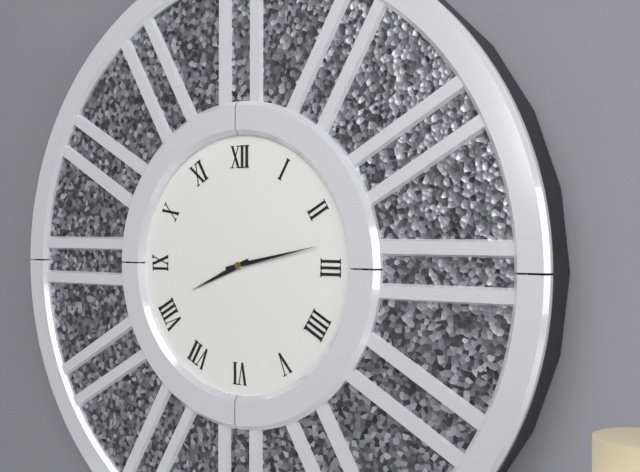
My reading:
8 h 13 min
